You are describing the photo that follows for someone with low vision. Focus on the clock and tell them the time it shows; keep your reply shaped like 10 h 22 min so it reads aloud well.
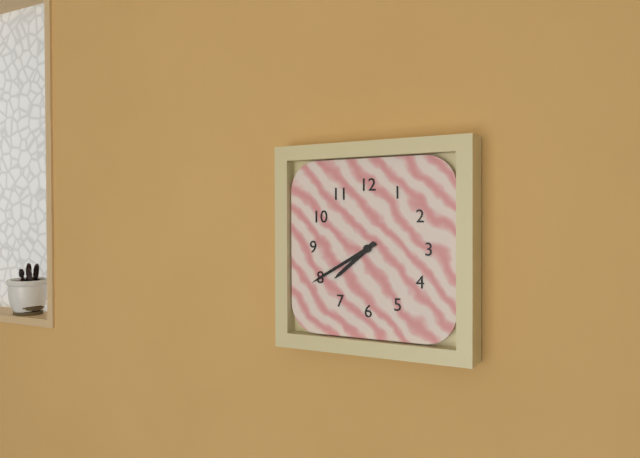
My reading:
7 h 40 min
